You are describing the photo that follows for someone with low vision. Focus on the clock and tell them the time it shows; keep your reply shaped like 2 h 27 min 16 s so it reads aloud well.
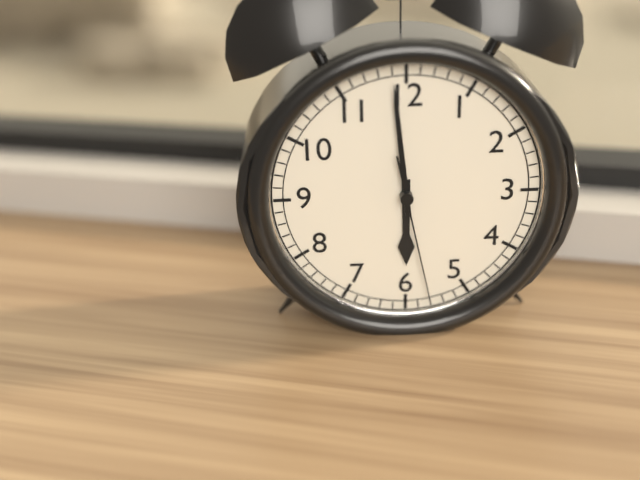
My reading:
5 h 59 min 28 s
